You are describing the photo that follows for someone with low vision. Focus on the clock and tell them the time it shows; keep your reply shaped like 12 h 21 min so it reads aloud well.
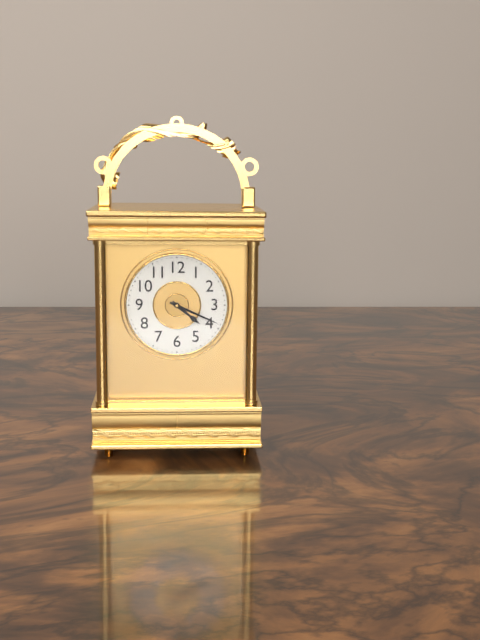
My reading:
4 h 19 min
